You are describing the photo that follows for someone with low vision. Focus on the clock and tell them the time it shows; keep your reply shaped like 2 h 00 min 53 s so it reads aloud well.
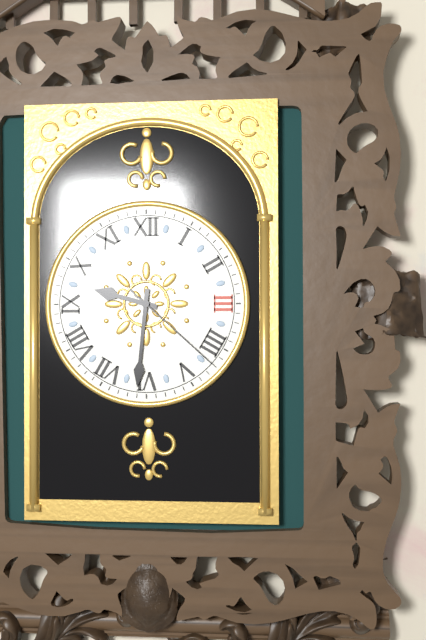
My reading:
9 h 31 min 22 s
